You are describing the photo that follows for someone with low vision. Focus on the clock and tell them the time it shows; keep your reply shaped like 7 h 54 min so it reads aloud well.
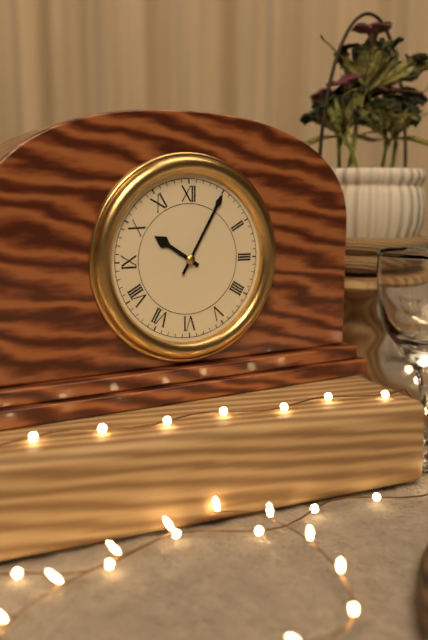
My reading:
10 h 05 min
